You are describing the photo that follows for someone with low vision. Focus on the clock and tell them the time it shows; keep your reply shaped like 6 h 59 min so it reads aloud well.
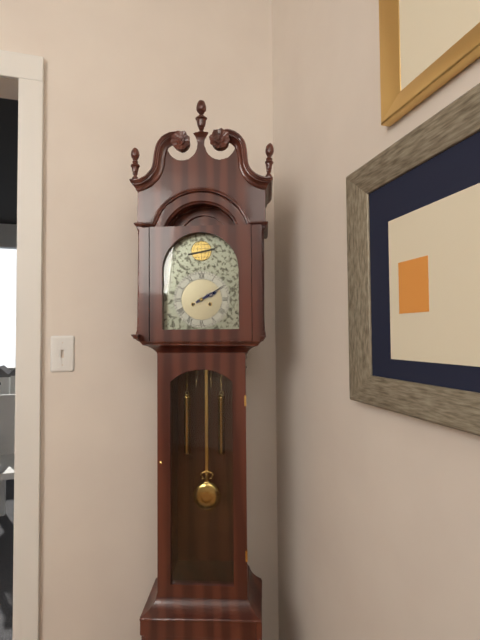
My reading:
2 h 10 min
